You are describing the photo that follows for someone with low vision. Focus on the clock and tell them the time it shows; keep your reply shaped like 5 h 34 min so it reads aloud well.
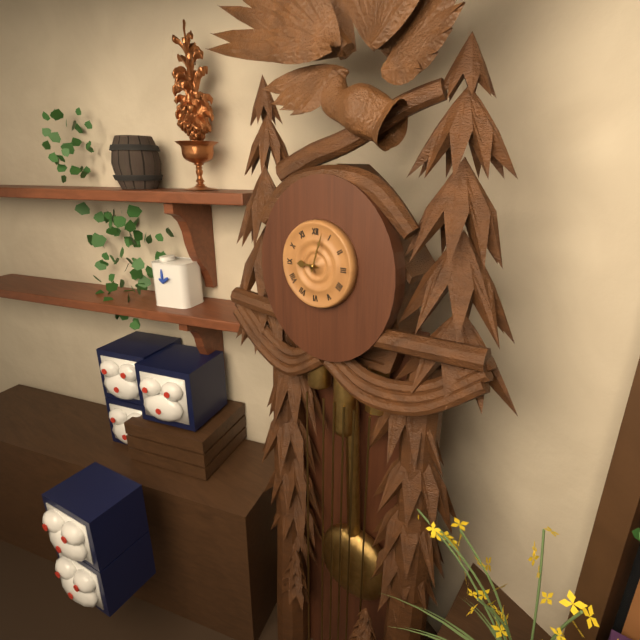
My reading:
9 h 03 min
